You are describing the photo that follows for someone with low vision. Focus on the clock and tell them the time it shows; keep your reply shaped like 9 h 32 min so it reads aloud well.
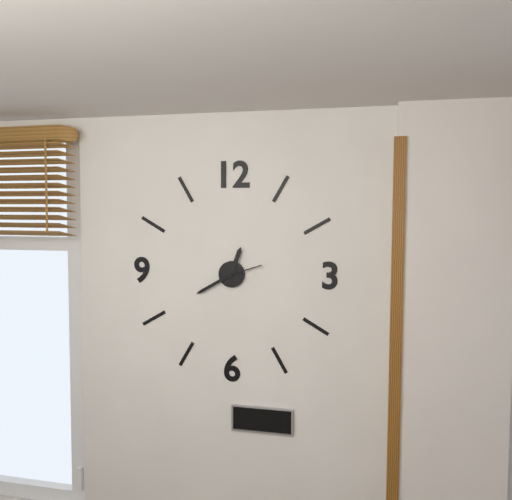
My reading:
12 h 40 min
